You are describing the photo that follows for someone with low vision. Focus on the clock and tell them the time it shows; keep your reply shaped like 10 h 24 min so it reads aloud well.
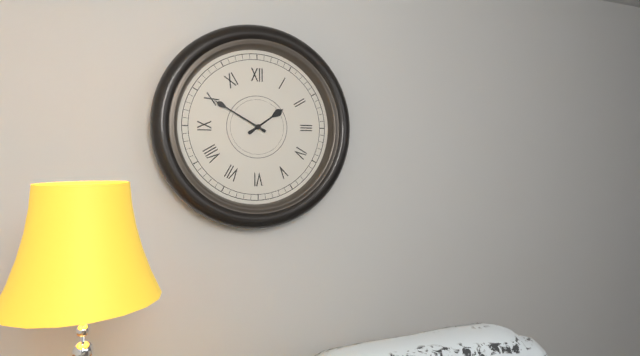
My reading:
1 h 50 min
